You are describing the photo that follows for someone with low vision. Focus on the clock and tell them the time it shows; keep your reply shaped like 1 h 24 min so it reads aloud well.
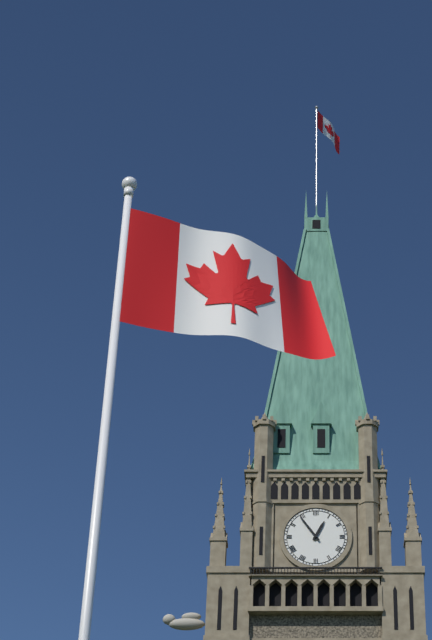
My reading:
12 h 54 min
